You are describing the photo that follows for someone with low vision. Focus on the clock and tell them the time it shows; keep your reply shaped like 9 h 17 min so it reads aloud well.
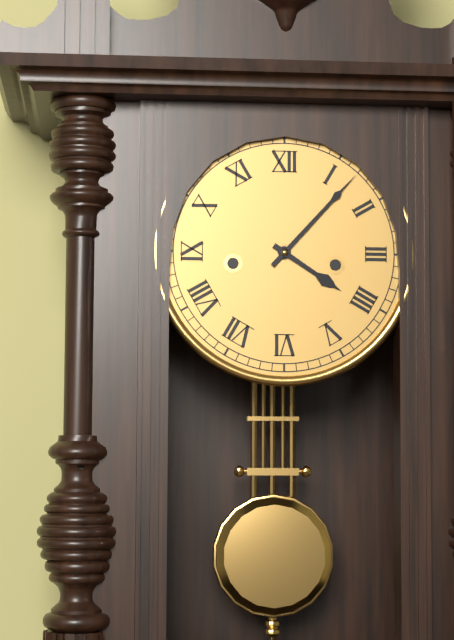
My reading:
4 h 07 min
